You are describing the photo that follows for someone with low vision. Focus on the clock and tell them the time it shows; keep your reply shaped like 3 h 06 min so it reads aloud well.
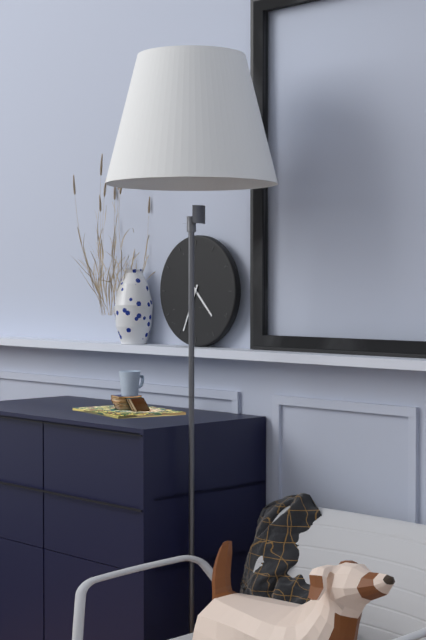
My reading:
4 h 34 min
